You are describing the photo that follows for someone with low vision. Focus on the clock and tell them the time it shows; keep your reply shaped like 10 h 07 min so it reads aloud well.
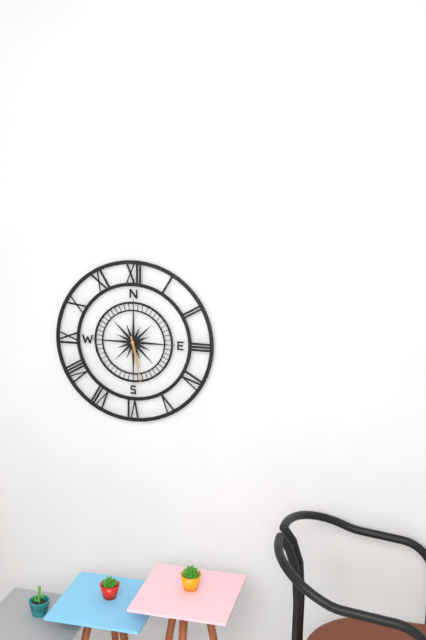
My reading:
5 h 28 min
